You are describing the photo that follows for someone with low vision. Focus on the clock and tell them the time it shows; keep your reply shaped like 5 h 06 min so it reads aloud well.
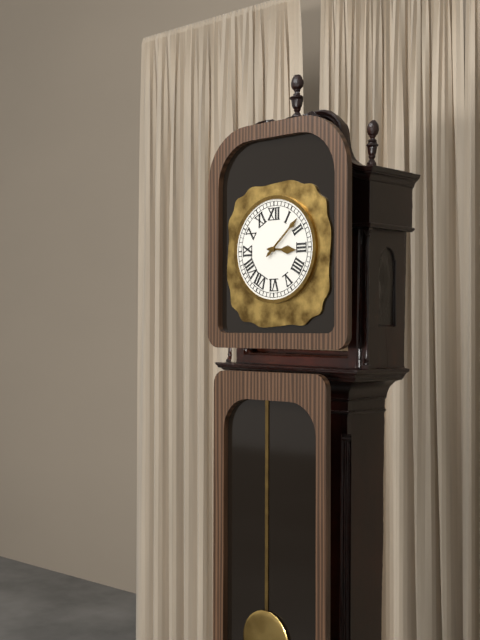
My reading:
3 h 08 min
